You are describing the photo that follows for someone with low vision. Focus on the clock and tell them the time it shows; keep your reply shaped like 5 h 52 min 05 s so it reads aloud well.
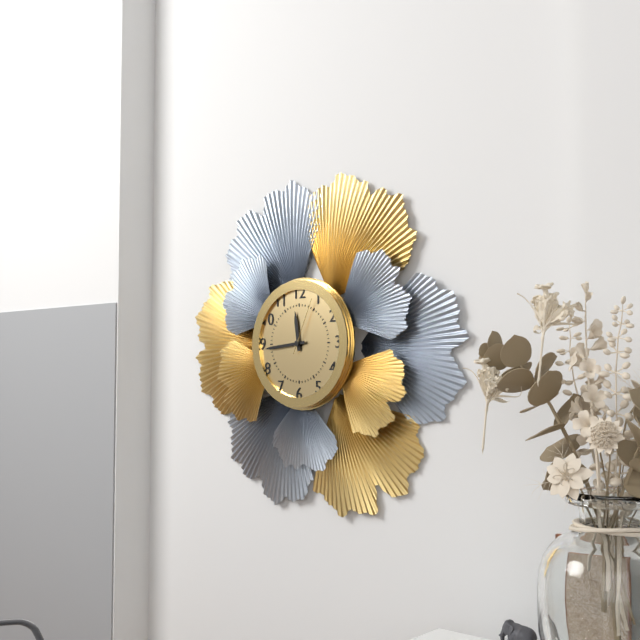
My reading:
11 h 44 min 04 s
